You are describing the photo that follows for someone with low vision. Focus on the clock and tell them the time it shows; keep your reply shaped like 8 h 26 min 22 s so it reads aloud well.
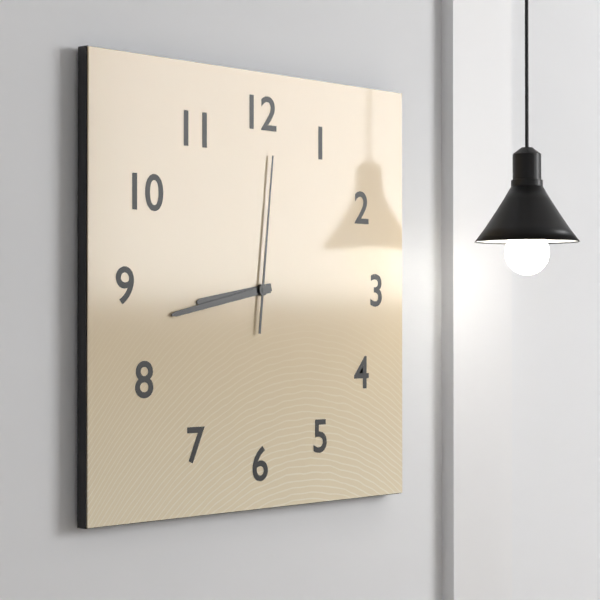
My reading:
8 h 43 min 01 s
